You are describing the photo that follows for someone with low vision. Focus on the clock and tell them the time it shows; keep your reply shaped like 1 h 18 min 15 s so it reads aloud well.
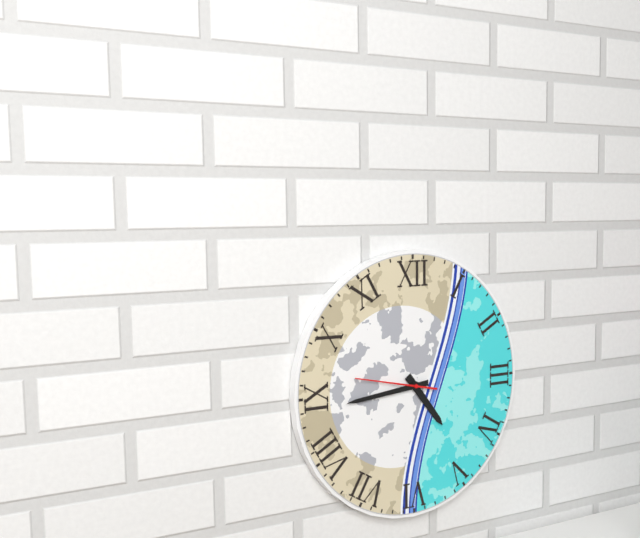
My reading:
4 h 44 min 47 s
